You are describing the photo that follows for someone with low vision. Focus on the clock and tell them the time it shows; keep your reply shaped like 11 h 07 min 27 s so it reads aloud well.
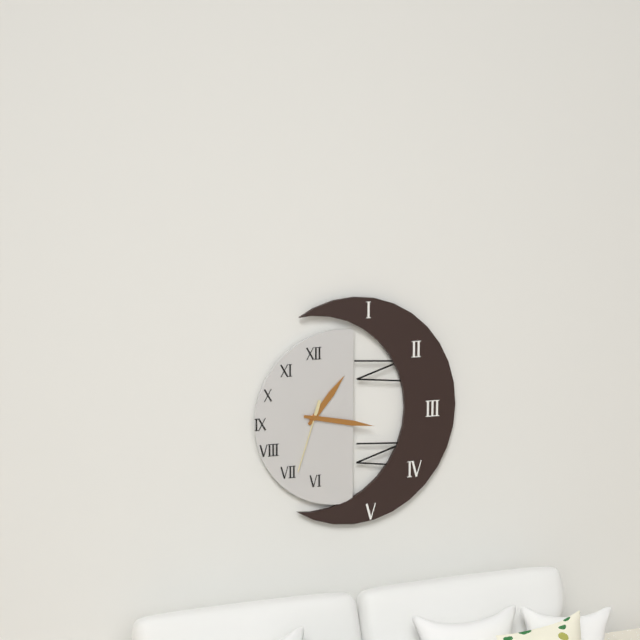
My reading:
1 h 17 min 33 s
